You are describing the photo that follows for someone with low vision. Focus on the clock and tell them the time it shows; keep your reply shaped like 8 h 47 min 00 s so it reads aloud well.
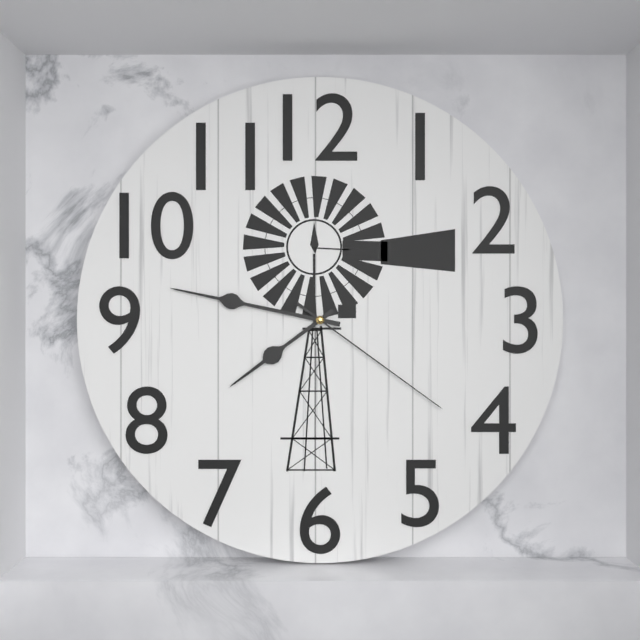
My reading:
7 h 47 min 21 s
